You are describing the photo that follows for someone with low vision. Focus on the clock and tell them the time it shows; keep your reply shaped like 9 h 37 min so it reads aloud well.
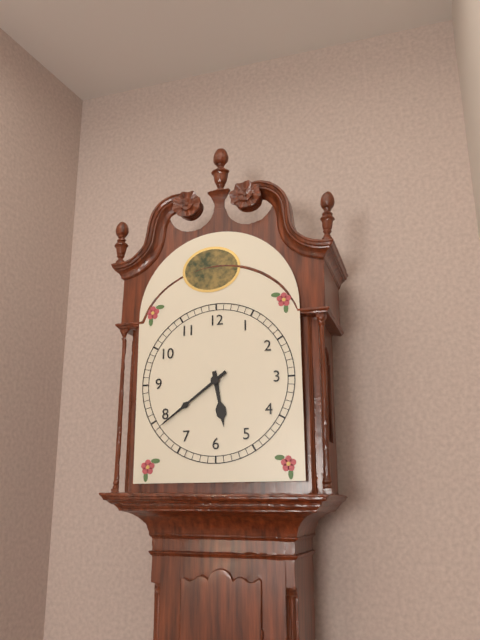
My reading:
5 h 39 min
